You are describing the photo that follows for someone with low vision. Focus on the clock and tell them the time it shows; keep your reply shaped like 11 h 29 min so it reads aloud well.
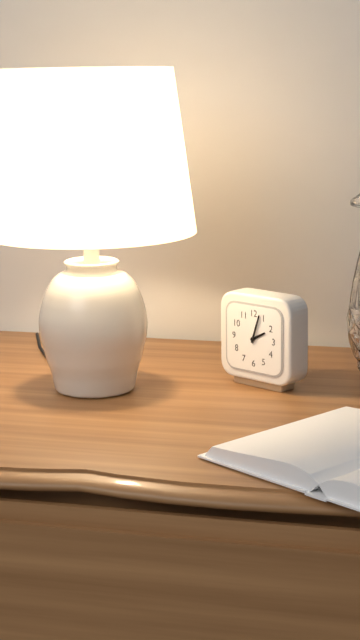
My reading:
2 h 03 min
